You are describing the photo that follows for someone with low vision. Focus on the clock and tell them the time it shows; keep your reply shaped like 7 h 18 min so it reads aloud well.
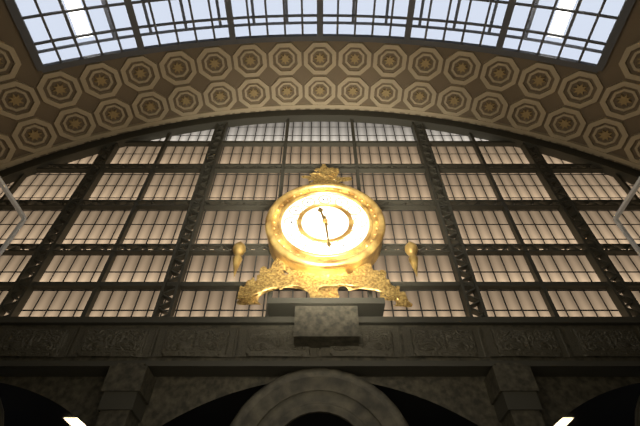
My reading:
11 h 29 min
